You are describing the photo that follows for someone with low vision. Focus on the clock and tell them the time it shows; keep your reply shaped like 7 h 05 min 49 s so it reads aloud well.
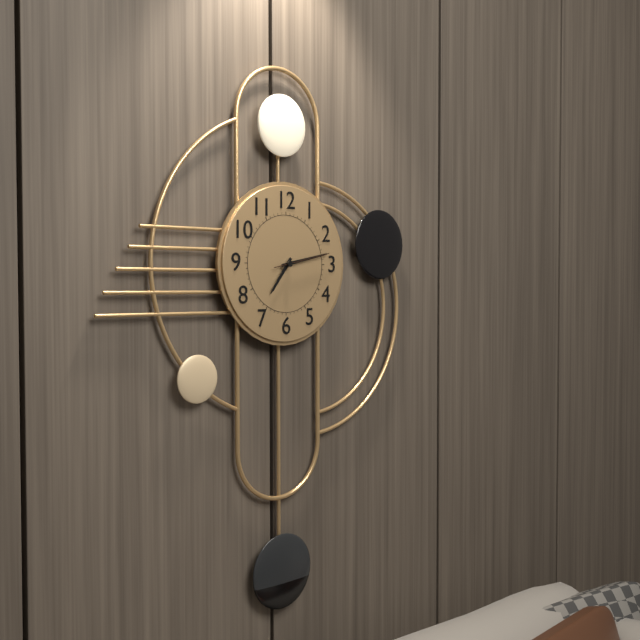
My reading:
7 h 13 min 13 s
